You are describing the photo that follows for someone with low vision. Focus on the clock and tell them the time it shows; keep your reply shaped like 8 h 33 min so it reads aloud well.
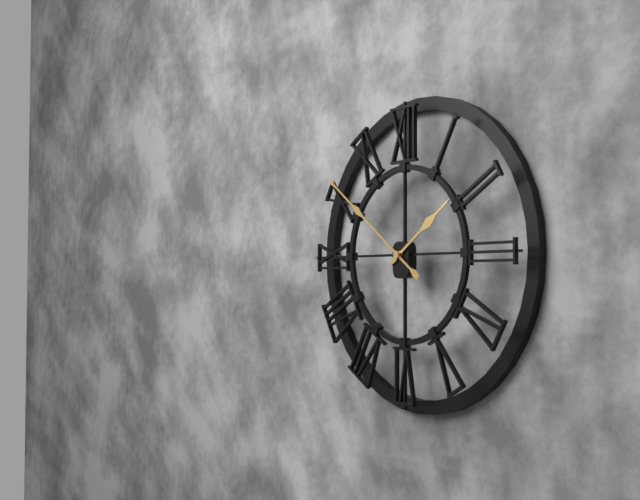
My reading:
1 h 51 min
